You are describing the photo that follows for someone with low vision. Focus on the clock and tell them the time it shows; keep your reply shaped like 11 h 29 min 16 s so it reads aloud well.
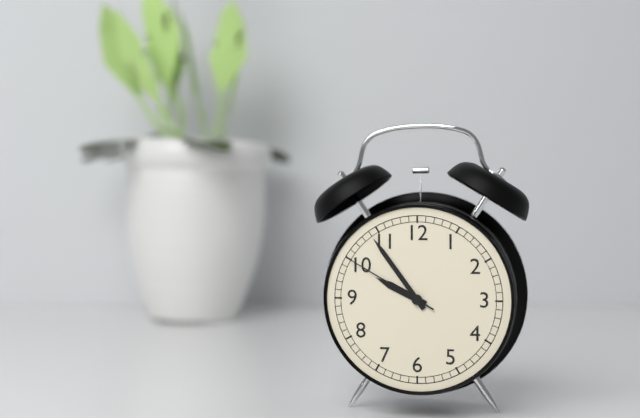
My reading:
9 h 54 min 50 s
